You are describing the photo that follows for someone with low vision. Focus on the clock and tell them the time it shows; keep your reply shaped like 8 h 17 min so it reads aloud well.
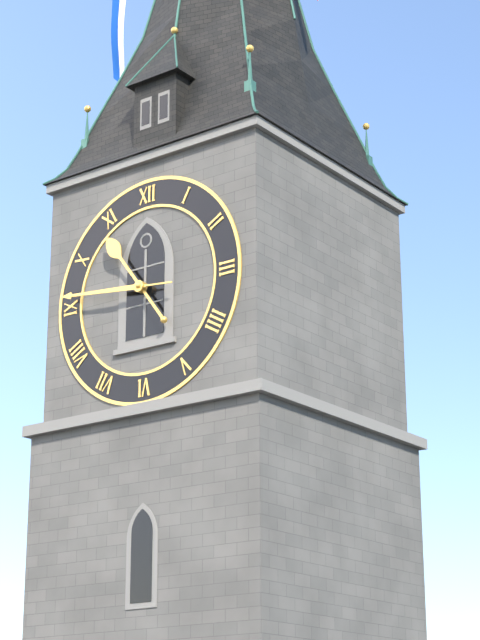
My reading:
10 h 46 min
